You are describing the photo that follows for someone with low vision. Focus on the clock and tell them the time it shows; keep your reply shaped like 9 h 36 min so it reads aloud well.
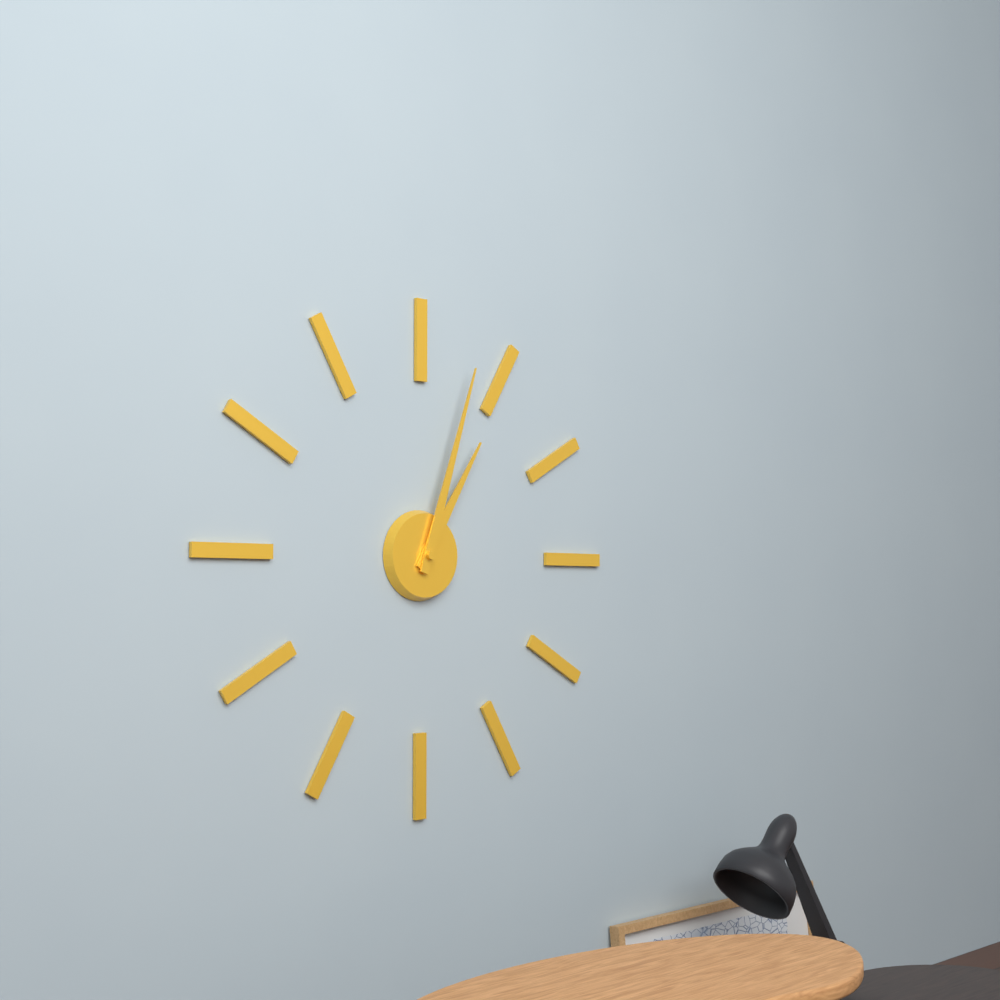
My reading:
1 h 03 min
